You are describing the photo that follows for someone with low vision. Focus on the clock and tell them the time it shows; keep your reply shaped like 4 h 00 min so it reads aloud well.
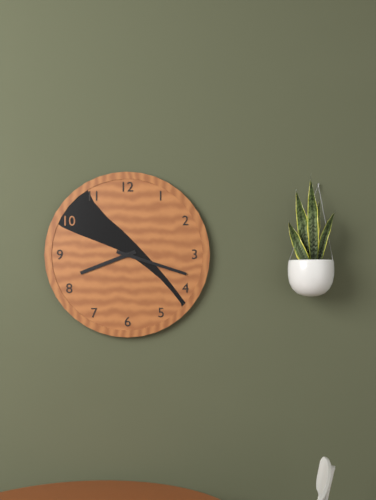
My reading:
8 h 18 min
